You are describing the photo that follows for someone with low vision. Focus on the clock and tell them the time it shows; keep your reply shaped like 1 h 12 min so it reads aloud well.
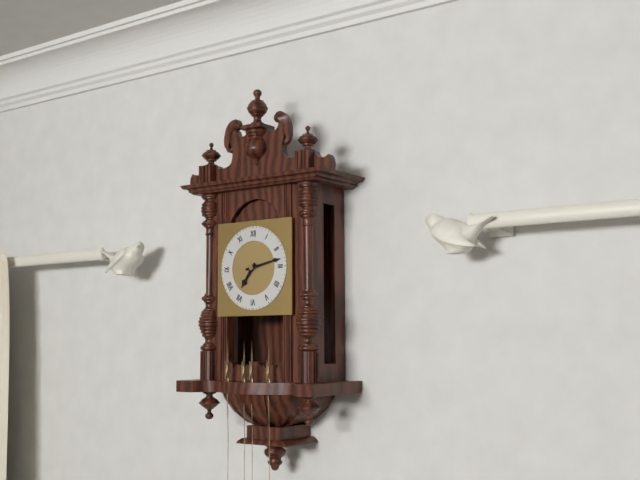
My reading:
7 h 13 min
